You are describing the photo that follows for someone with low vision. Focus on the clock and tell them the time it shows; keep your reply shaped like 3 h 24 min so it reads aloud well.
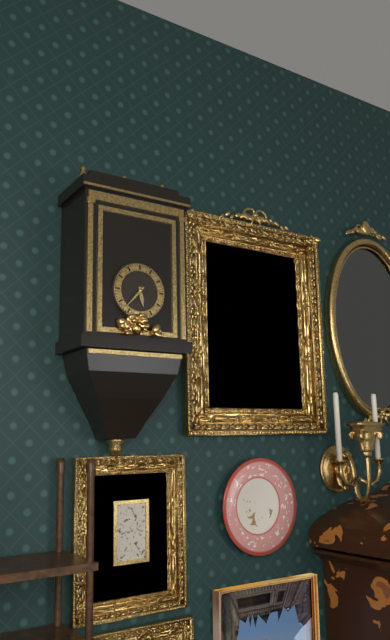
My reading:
5 h 37 min
